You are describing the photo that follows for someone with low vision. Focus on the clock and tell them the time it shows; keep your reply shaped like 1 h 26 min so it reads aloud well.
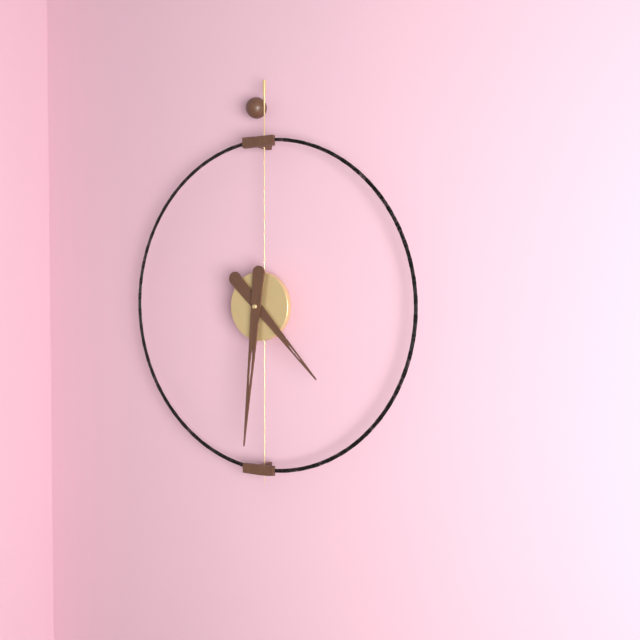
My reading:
4 h 31 min
